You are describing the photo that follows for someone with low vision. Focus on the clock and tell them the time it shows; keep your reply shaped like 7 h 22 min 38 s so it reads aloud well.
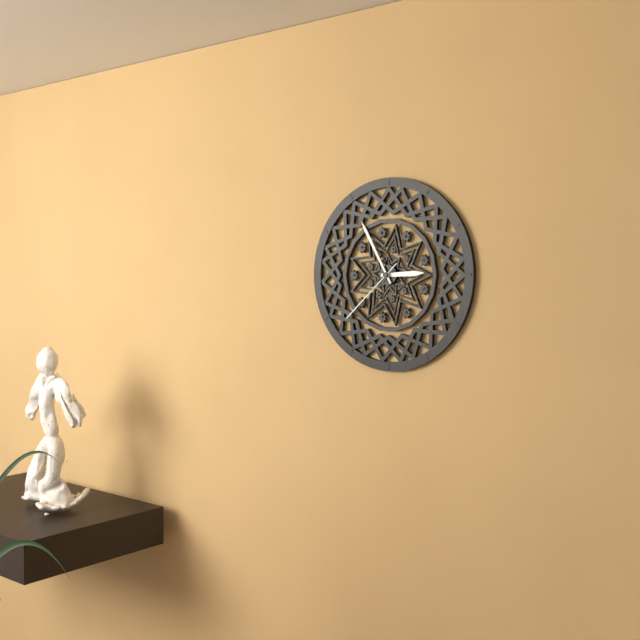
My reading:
2 h 55 min 38 s
